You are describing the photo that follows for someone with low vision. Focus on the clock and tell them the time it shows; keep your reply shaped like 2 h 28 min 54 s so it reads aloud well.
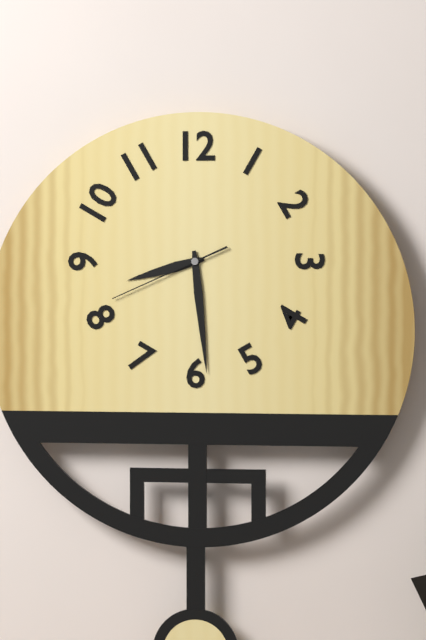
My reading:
8 h 29 min 41 s
